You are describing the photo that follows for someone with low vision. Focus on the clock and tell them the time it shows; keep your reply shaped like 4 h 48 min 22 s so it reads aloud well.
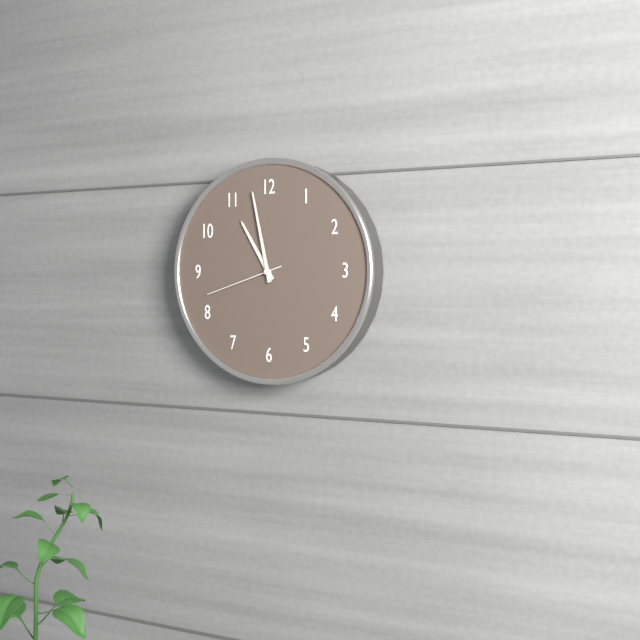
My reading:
10 h 58 min 42 s
